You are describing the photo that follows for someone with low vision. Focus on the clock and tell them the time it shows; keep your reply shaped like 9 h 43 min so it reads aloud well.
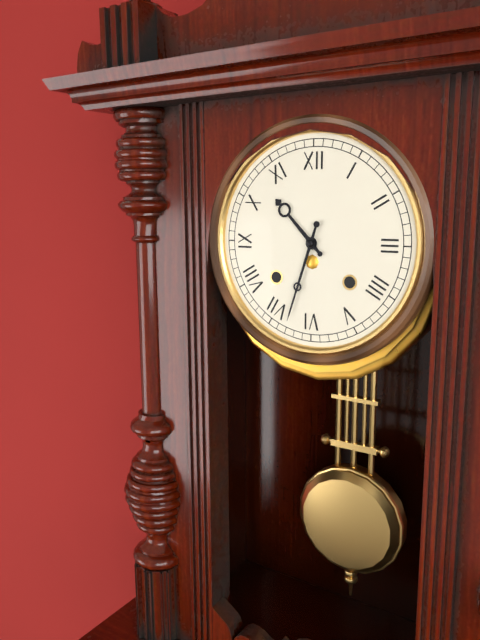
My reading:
10 h 33 min
